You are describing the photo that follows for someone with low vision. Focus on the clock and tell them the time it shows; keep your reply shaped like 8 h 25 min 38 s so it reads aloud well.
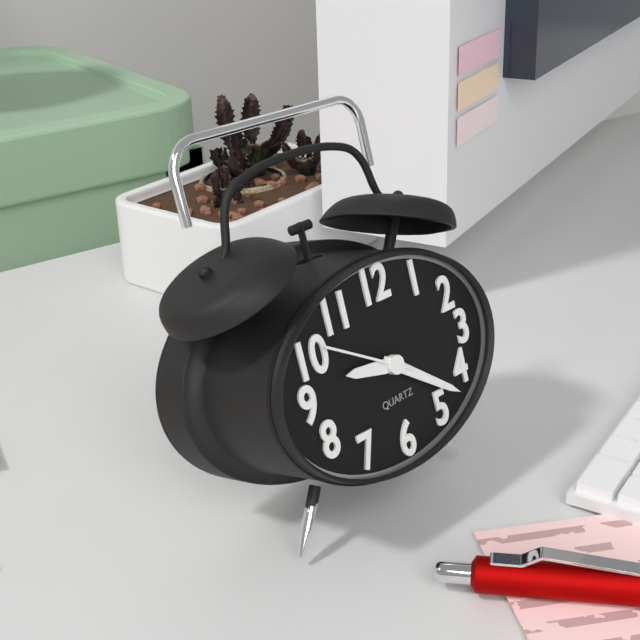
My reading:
9 h 21 min 50 s
